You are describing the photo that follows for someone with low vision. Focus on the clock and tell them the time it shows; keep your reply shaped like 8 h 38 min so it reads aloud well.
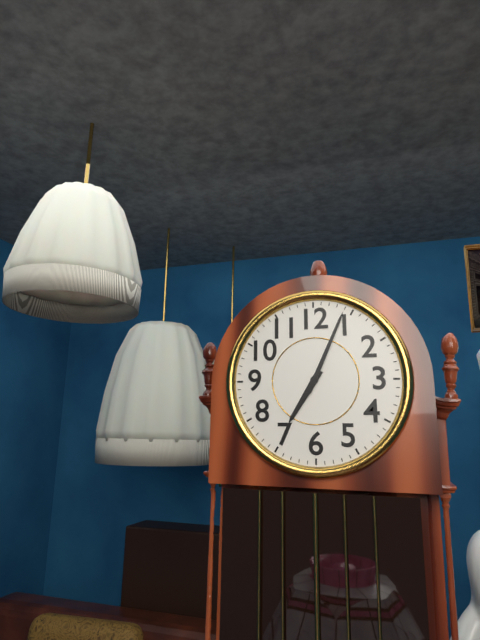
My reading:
7 h 04 min
